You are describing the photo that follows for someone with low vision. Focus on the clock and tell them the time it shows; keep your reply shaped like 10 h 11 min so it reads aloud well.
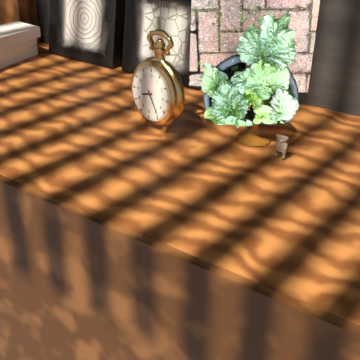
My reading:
8 h 24 min
